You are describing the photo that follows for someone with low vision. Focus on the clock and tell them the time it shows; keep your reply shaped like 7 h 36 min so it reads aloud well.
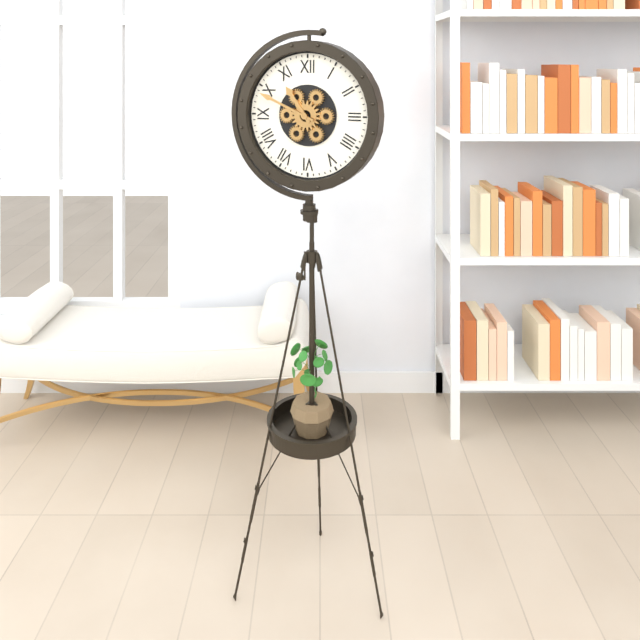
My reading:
10 h 49 min
